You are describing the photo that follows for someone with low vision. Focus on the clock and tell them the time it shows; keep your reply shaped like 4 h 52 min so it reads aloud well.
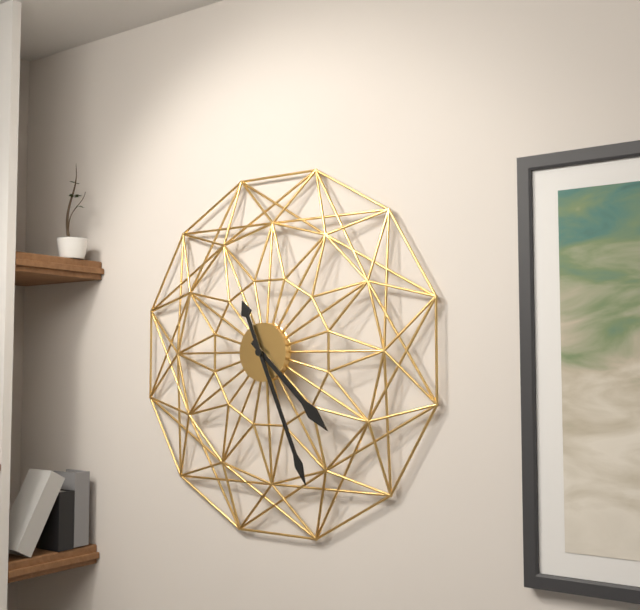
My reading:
4 h 26 min
